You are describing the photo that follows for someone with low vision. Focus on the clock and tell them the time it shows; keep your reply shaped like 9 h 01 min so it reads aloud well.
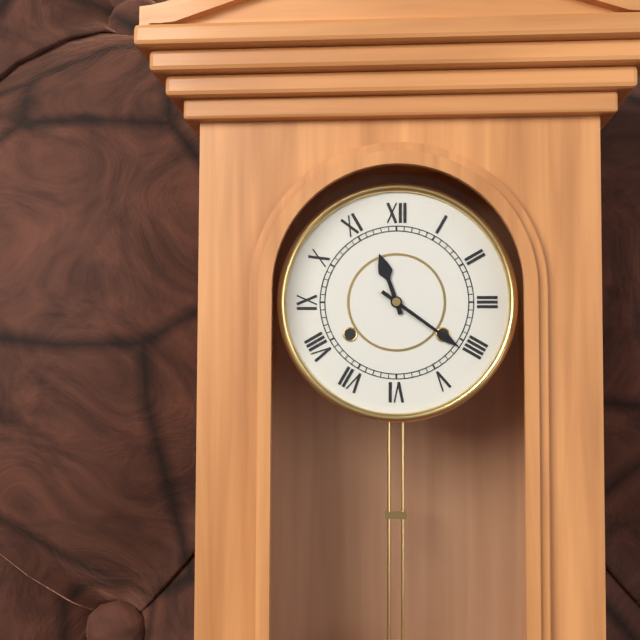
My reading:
11 h 21 min
